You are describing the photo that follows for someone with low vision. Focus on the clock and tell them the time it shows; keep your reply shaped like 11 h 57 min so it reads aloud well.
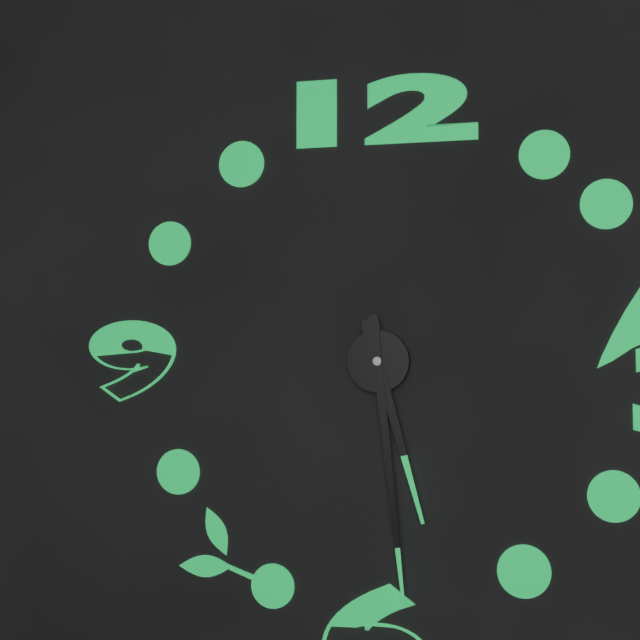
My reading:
5 h 29 min
